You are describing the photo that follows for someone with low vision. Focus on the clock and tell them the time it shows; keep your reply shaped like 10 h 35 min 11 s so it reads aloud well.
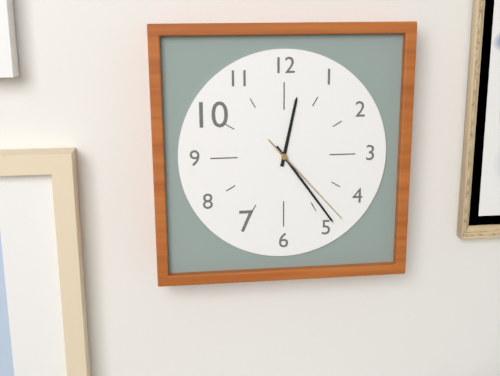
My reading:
12 h 24 min 23 s
